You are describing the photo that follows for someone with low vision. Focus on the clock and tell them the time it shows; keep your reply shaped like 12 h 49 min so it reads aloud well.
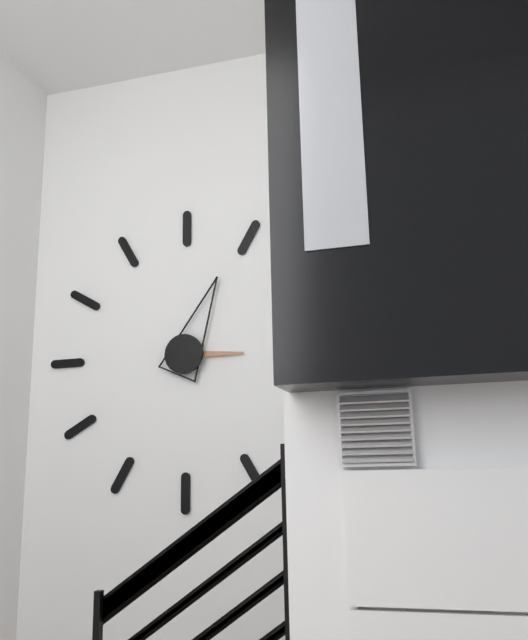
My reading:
3 h 04 min
